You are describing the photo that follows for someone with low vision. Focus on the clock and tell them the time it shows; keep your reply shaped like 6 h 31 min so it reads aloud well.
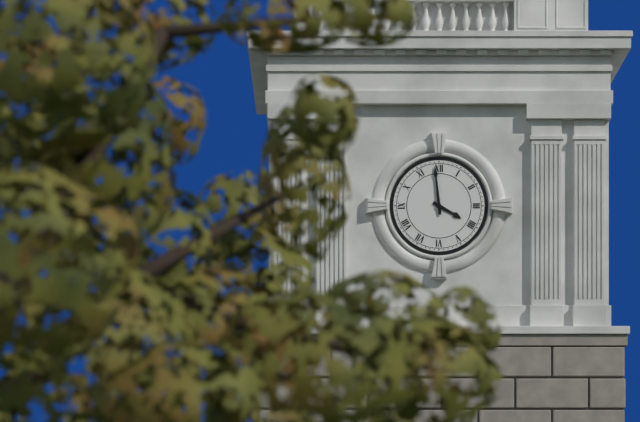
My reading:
3 h 59 min
